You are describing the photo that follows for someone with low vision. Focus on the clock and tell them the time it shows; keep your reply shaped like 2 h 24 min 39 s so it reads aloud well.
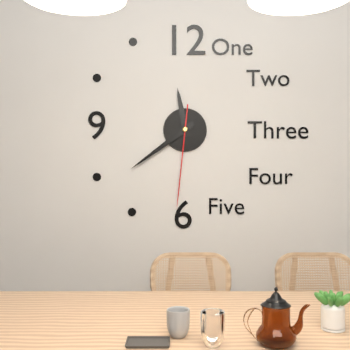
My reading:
11 h 39 min 31 s
